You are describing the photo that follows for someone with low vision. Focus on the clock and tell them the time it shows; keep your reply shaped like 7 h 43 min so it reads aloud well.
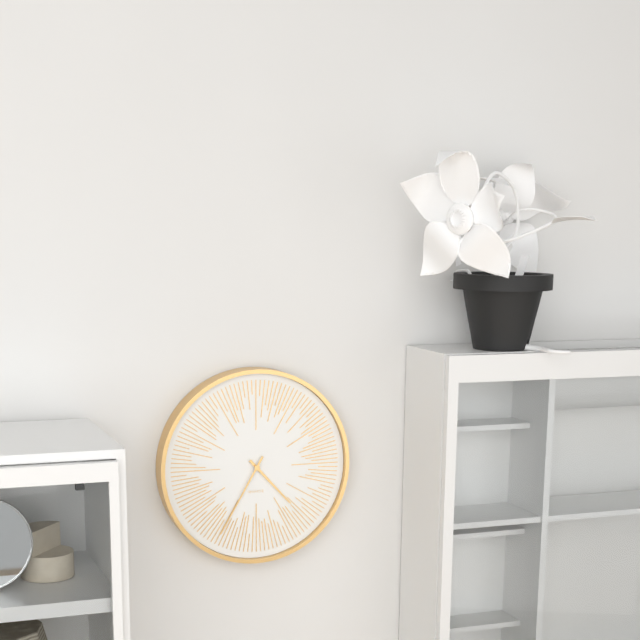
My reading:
4 h 35 min
